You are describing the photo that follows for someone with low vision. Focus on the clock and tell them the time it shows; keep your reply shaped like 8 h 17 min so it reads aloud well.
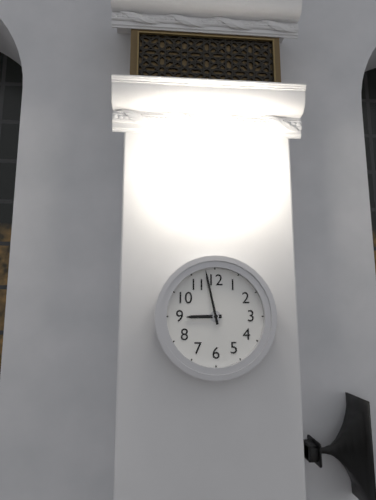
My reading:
8 h 58 min
